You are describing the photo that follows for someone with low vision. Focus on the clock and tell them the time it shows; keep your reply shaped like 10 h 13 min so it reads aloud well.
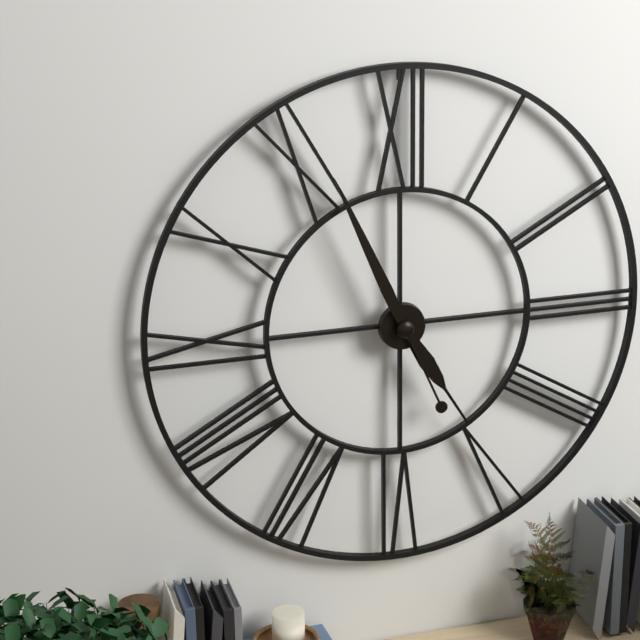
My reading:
4 h 56 min
